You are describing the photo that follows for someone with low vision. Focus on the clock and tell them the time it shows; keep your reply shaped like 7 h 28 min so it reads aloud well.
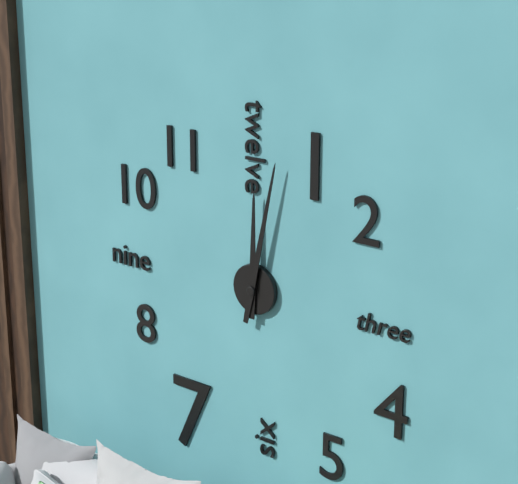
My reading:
12 h 02 min
